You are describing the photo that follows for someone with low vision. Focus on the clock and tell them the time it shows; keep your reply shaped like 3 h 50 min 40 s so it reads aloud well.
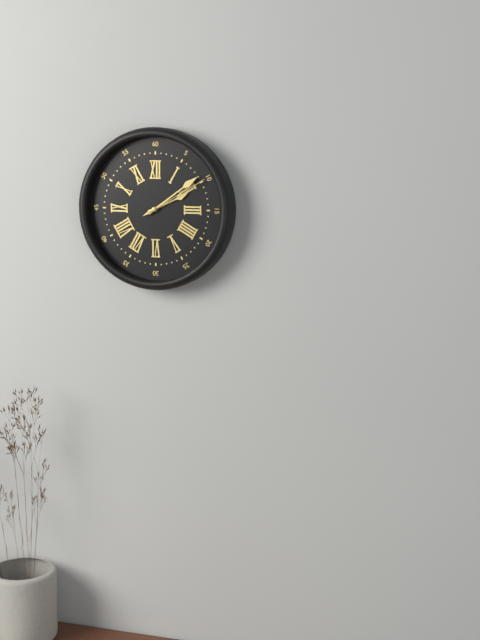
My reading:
2 h 09 min 10 s
